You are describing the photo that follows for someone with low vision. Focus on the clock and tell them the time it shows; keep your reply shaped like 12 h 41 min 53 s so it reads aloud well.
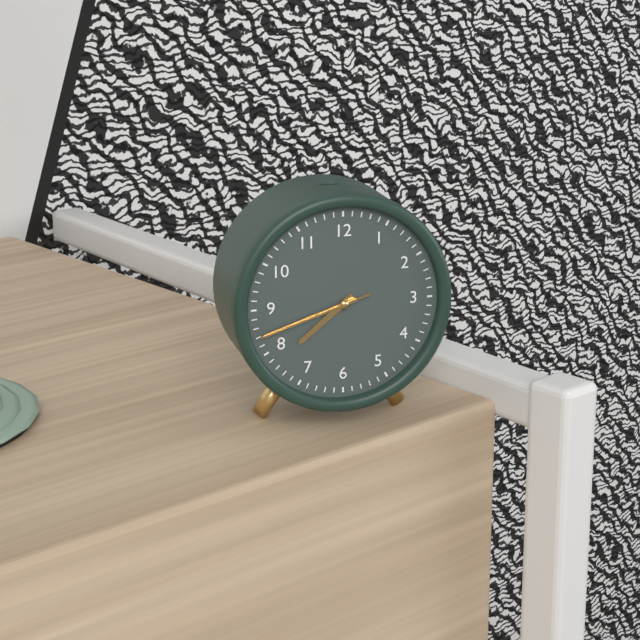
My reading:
7 h 42 min 42 s
